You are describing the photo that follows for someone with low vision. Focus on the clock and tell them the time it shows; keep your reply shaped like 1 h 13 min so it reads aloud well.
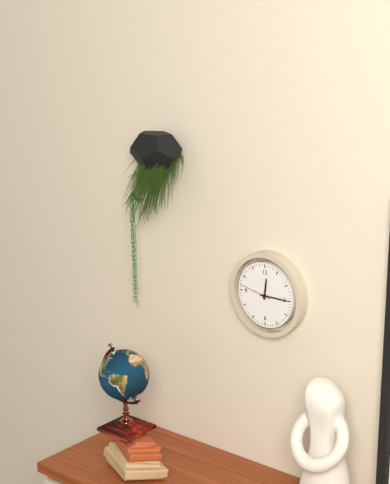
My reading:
12 h 15 min
